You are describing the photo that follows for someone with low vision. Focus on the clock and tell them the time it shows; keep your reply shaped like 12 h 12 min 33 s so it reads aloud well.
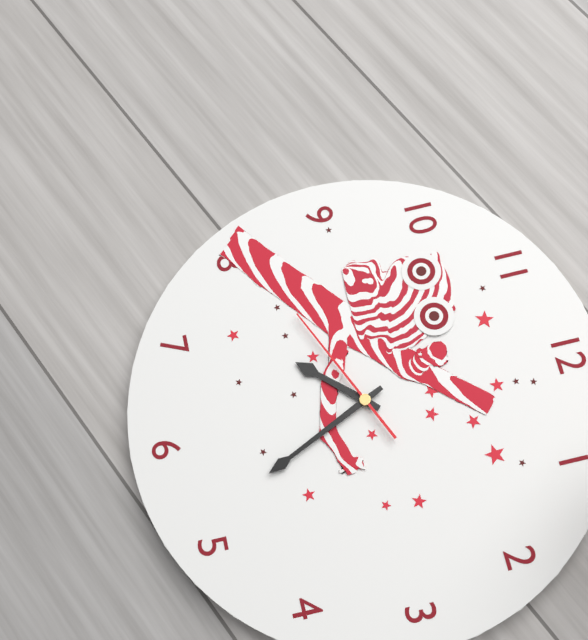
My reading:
7 h 26 min 41 s
